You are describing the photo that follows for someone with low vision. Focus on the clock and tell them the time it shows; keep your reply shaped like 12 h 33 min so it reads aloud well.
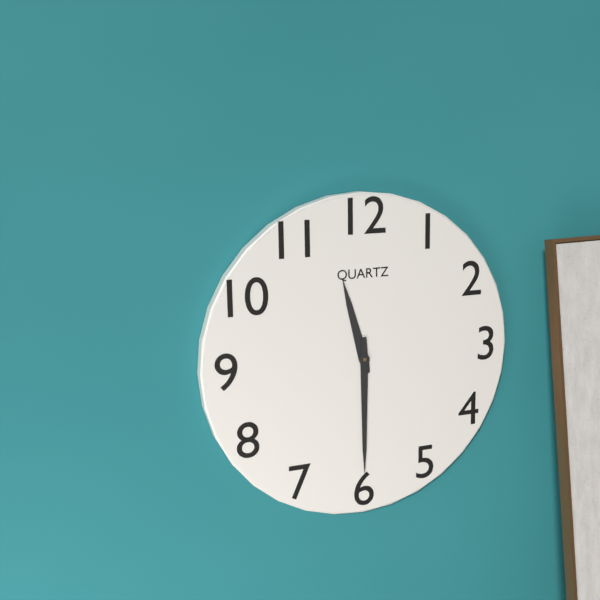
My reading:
11 h 30 min
